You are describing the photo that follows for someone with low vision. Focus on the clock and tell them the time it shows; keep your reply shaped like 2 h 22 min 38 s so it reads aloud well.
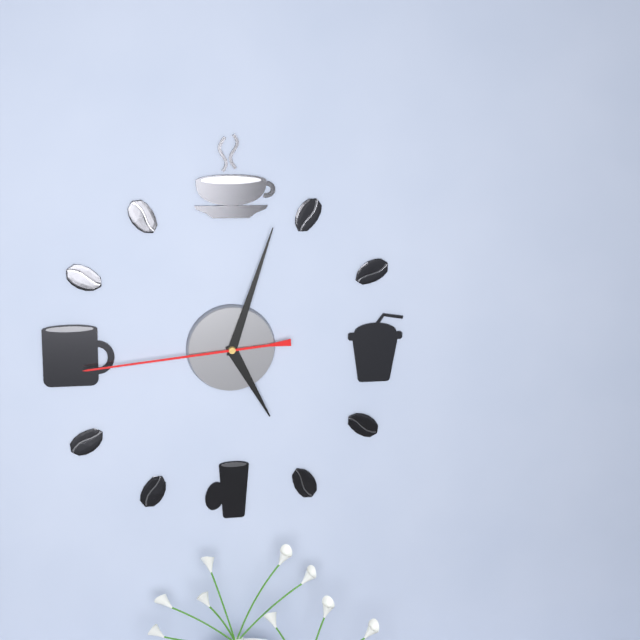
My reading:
5 h 03 min 44 s
